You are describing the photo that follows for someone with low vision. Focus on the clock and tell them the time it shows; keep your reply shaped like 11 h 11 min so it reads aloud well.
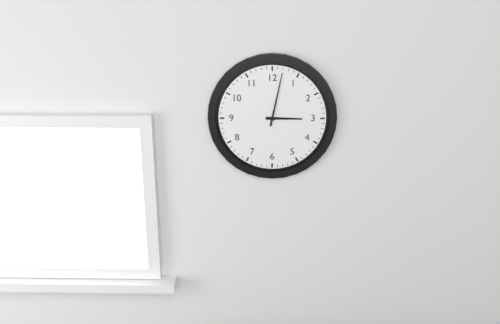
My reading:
3 h 02 min
